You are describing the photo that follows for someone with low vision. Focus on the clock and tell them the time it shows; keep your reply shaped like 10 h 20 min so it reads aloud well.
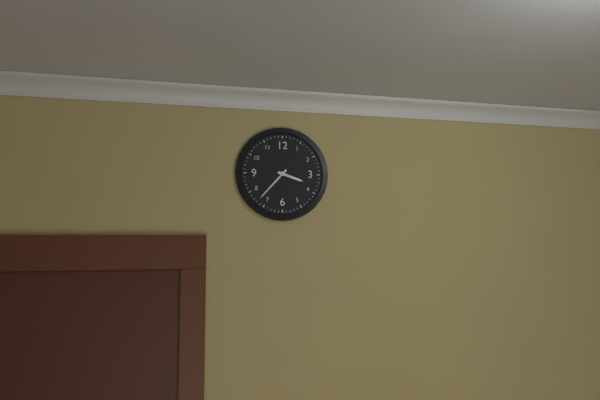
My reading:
3 h 37 min
